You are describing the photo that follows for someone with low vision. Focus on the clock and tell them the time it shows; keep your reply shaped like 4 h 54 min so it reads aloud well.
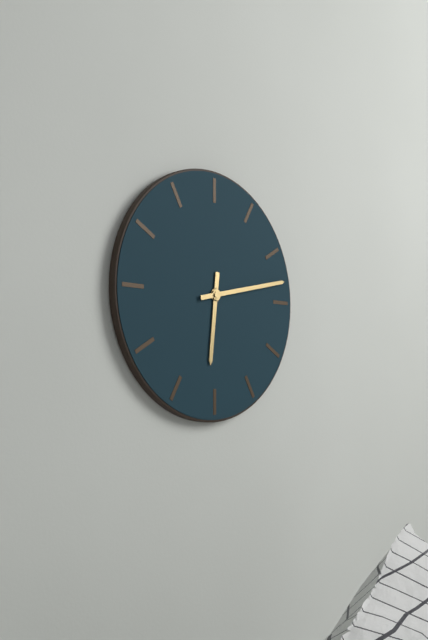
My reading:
6 h 13 min
